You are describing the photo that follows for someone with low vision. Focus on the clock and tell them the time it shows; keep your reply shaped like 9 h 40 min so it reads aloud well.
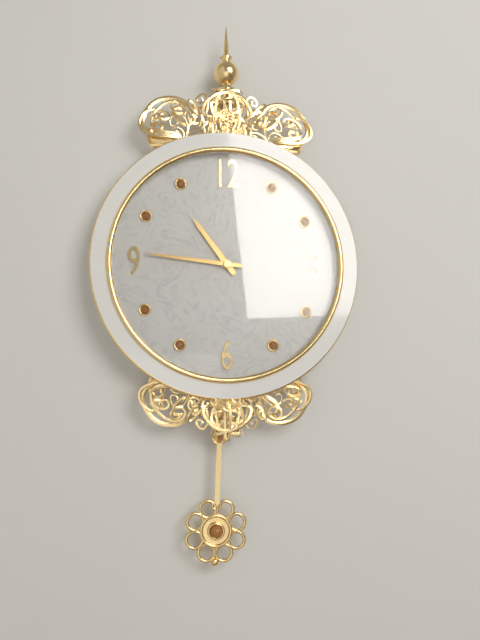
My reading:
10 h 46 min
